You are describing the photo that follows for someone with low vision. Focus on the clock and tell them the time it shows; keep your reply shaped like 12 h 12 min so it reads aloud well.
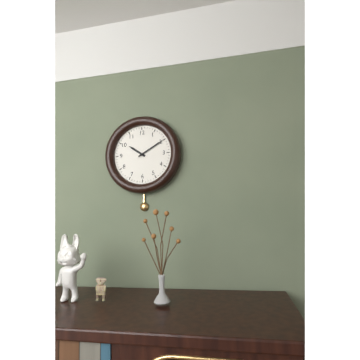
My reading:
10 h 10 min
